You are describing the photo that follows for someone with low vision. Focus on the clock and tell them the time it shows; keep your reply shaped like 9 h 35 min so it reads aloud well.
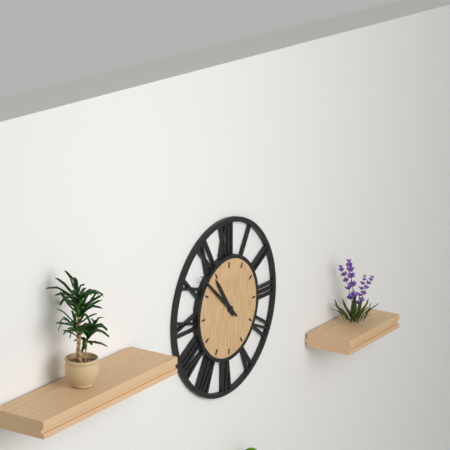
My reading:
10 h 52 min
